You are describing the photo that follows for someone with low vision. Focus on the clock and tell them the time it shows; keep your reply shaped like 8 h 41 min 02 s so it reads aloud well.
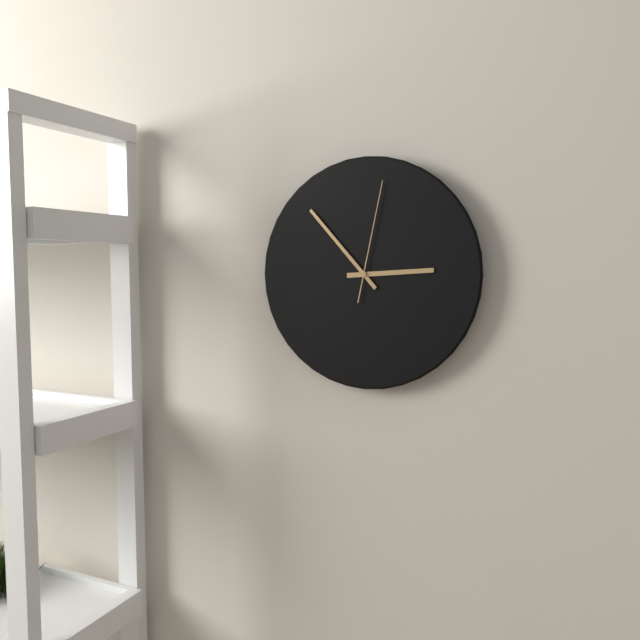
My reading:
2 h 53 min 02 s
